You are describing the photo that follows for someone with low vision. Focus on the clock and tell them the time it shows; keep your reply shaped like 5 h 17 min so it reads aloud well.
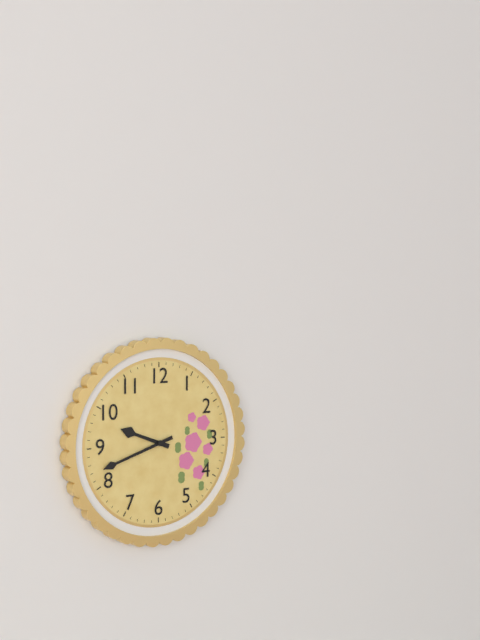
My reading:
9 h 42 min
